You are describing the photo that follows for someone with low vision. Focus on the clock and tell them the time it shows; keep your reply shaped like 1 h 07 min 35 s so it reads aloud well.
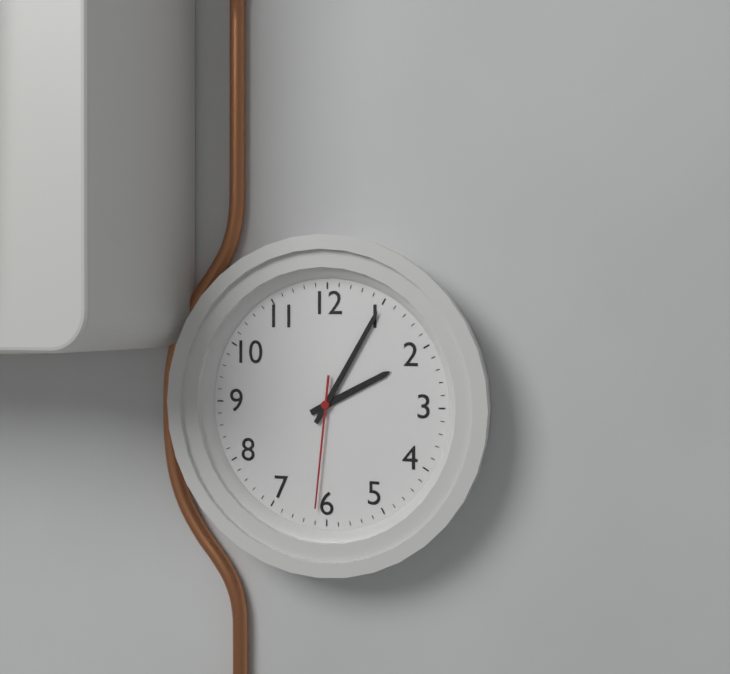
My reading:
2 h 05 min 31 s
